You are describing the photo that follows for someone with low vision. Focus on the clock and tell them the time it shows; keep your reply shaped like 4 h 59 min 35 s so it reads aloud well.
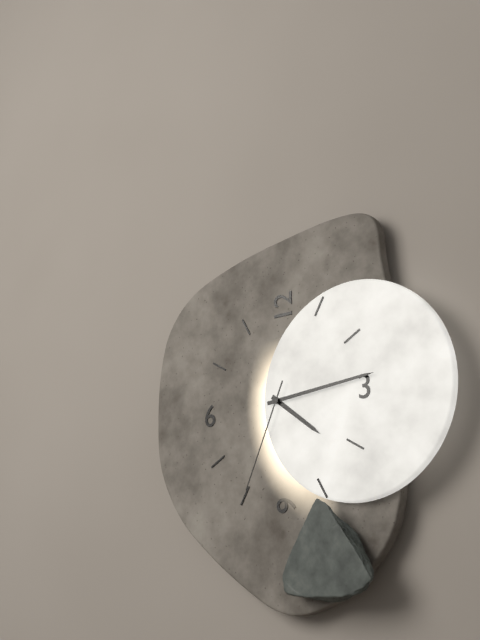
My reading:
4 h 14 min 34 s
